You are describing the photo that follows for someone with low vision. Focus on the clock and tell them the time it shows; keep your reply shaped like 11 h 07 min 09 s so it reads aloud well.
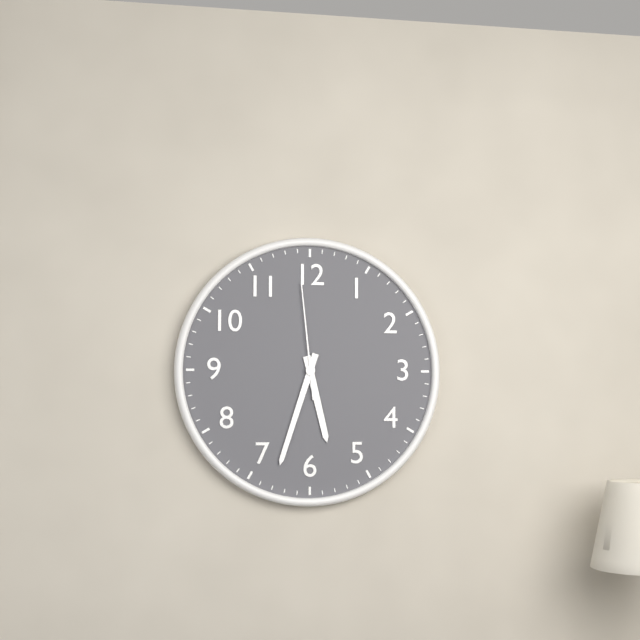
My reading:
5 h 33 min 59 s
